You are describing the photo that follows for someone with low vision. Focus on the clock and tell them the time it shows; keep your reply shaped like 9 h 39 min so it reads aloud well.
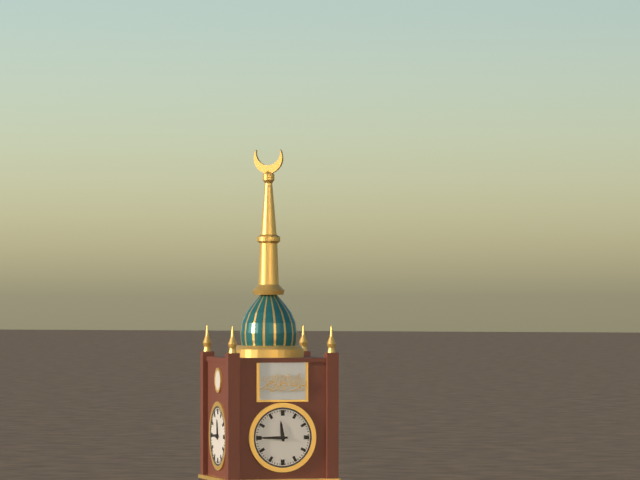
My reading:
11 h 45 min
